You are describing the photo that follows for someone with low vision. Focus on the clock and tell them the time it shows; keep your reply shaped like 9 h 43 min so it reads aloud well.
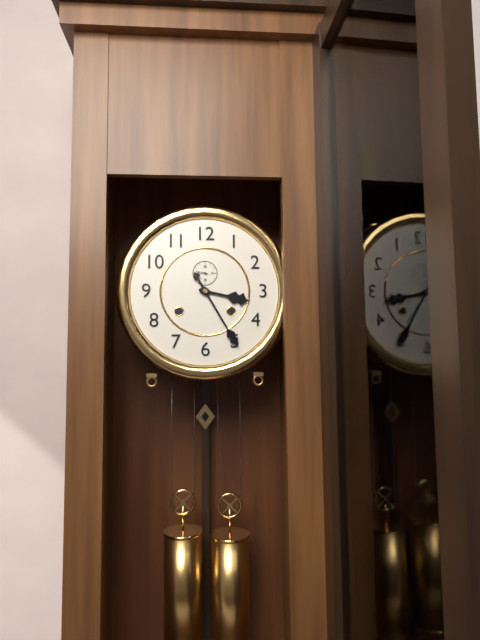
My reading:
3 h 25 min
